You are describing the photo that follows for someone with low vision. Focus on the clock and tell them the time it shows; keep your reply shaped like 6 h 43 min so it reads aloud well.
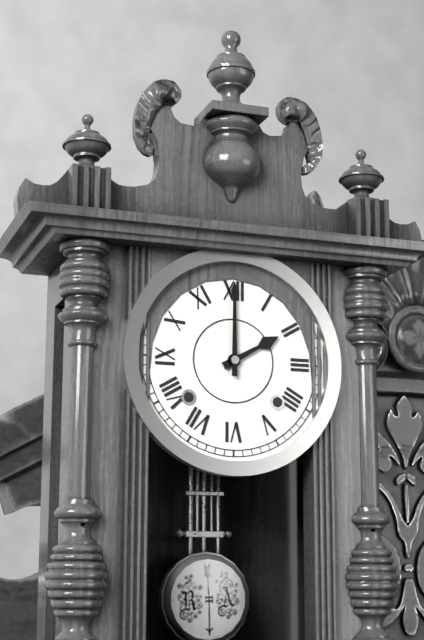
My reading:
2 h 00 min
